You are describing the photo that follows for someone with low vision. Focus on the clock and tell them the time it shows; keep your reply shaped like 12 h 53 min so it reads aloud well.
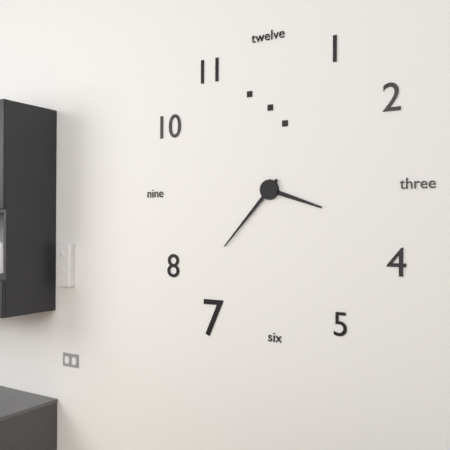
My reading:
3 h 37 min
